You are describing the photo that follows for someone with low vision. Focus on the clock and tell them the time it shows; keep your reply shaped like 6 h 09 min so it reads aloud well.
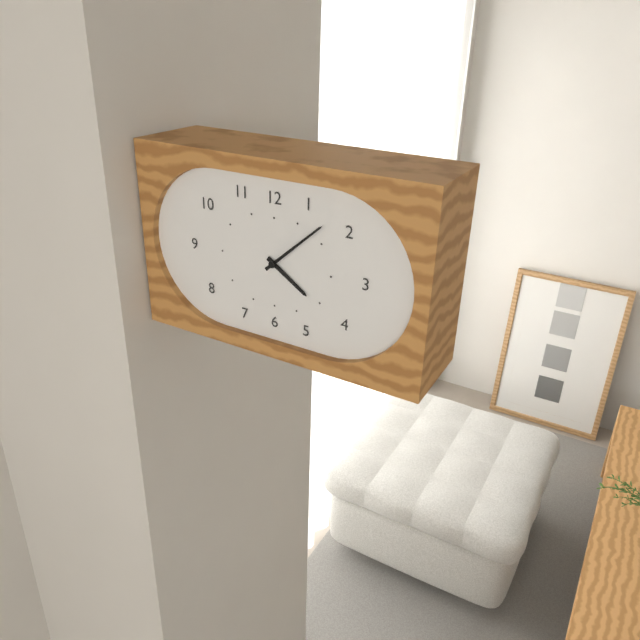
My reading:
4 h 08 min
